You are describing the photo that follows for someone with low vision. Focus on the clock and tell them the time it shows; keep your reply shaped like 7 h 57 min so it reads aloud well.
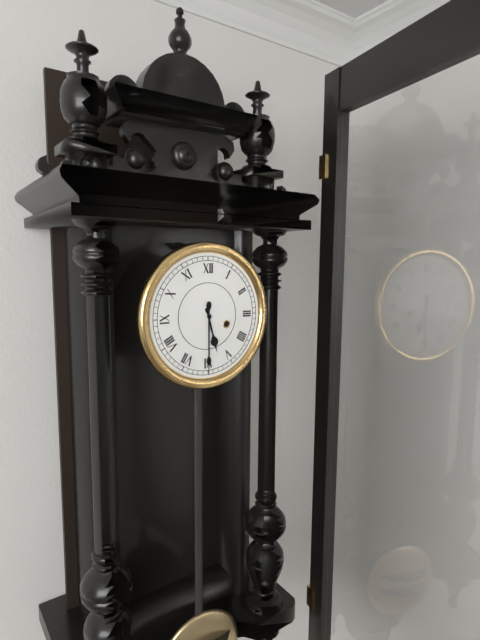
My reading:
5 h 30 min
